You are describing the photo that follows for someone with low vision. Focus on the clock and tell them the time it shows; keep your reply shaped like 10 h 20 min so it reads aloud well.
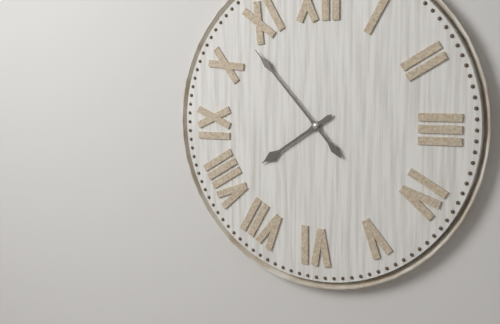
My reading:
7 h 53 min
